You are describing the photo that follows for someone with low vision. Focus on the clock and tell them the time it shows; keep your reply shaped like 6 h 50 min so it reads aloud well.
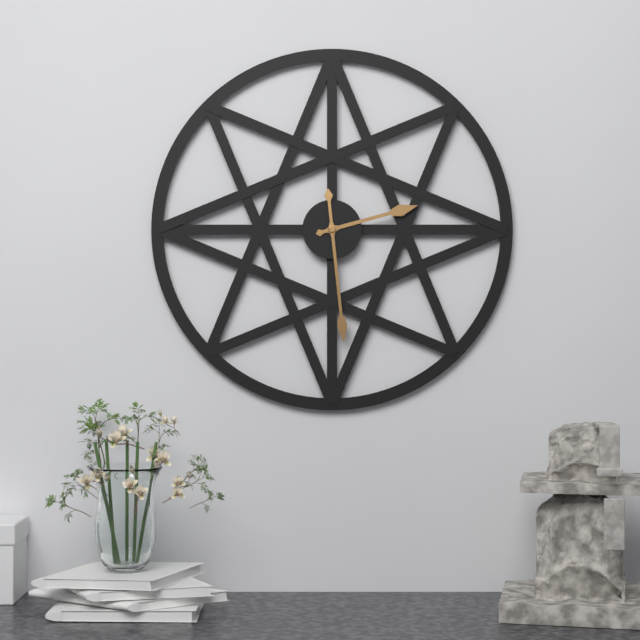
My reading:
2 h 29 min
